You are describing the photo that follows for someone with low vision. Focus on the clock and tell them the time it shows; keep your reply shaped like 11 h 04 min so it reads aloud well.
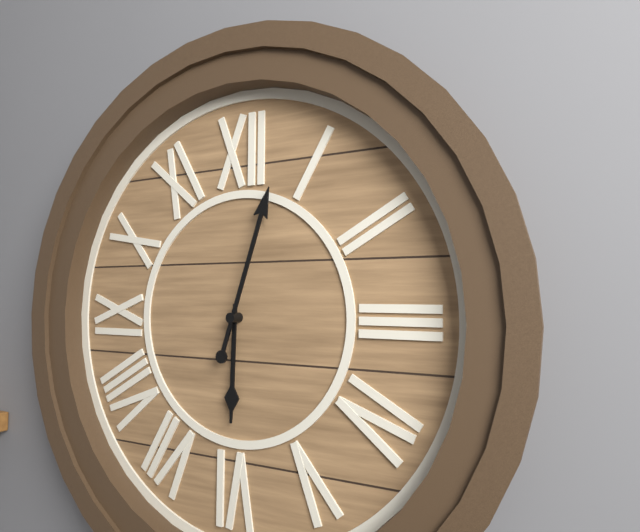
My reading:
6 h 03 min
